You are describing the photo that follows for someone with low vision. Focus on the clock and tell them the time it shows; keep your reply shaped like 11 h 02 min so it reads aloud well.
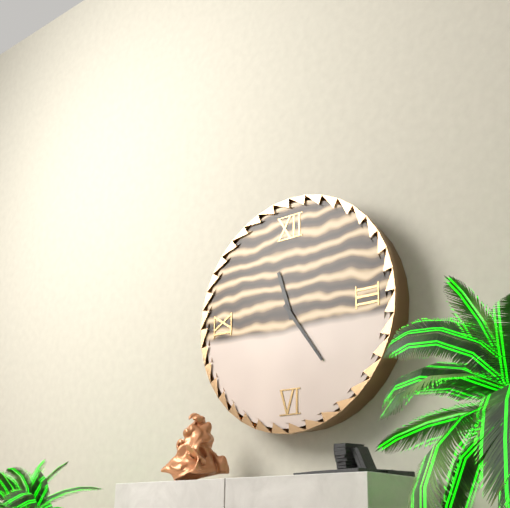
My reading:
11 h 24 min
